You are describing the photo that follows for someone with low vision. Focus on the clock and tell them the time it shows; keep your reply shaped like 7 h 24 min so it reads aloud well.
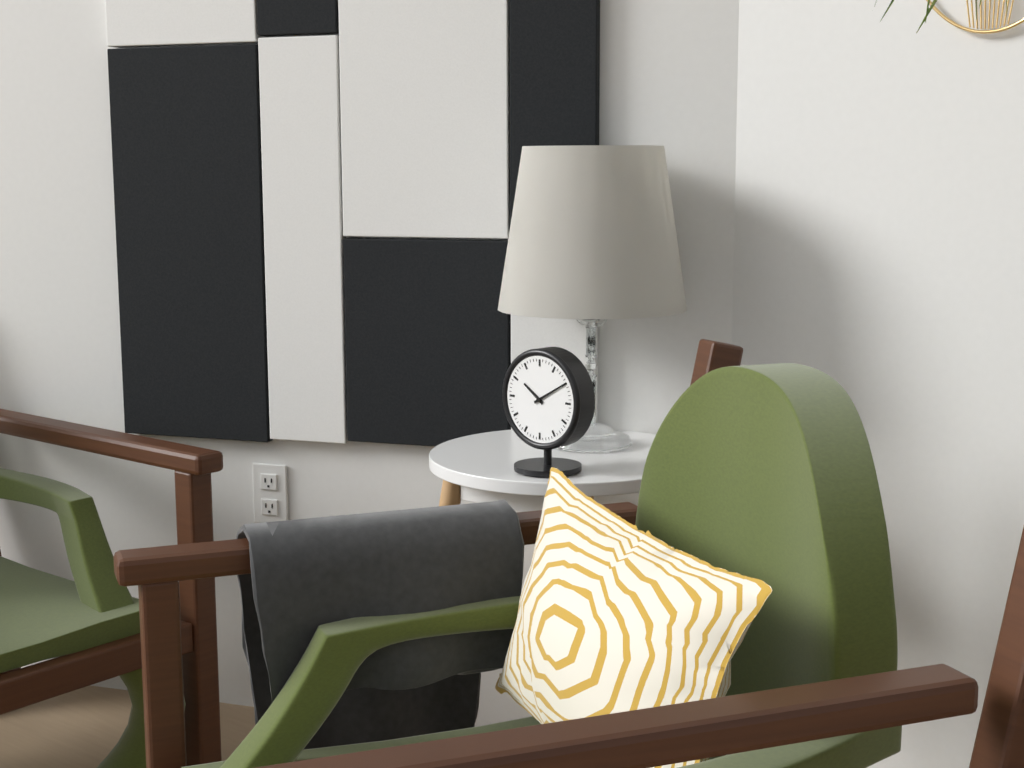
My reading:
10 h 10 min
